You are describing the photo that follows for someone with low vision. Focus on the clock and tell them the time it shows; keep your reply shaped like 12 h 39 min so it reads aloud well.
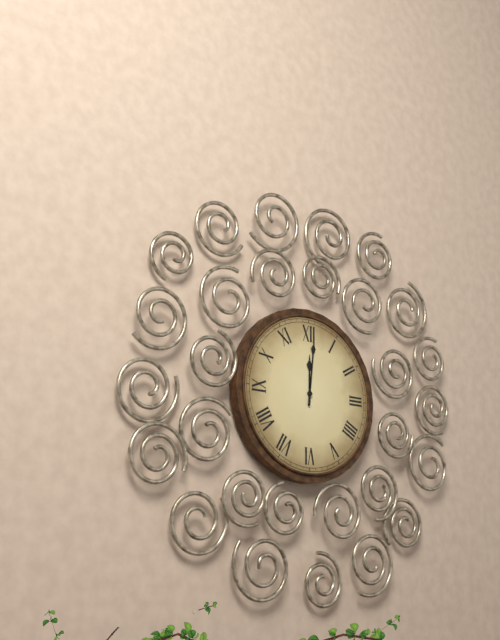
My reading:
12 h 01 min
